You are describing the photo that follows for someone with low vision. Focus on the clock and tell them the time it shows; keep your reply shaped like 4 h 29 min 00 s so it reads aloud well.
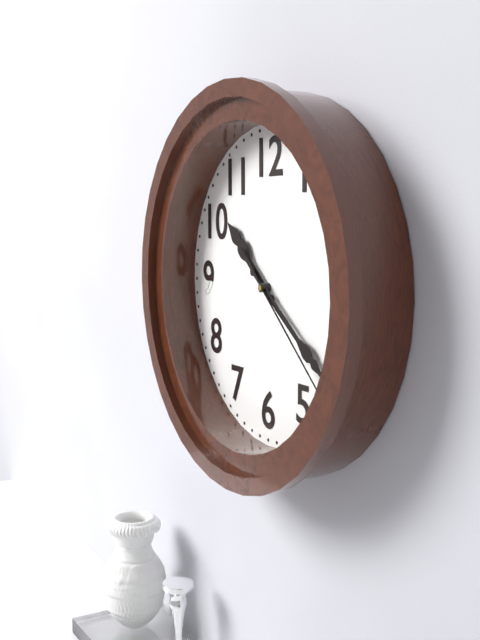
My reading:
10 h 21 min 22 s
